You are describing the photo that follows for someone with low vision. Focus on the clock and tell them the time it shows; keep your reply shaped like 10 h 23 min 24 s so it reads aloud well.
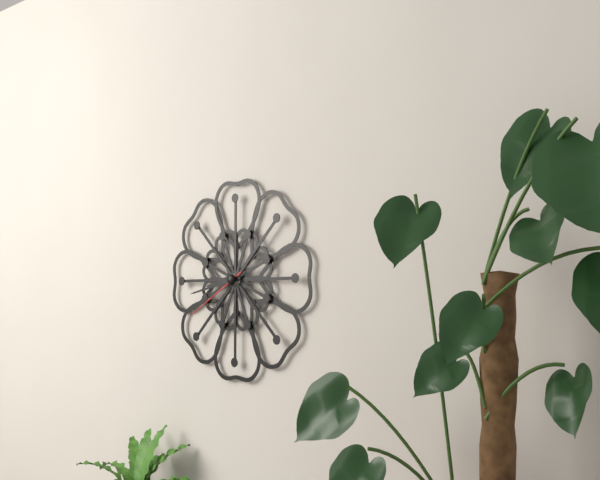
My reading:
8 h 43 min 40 s
